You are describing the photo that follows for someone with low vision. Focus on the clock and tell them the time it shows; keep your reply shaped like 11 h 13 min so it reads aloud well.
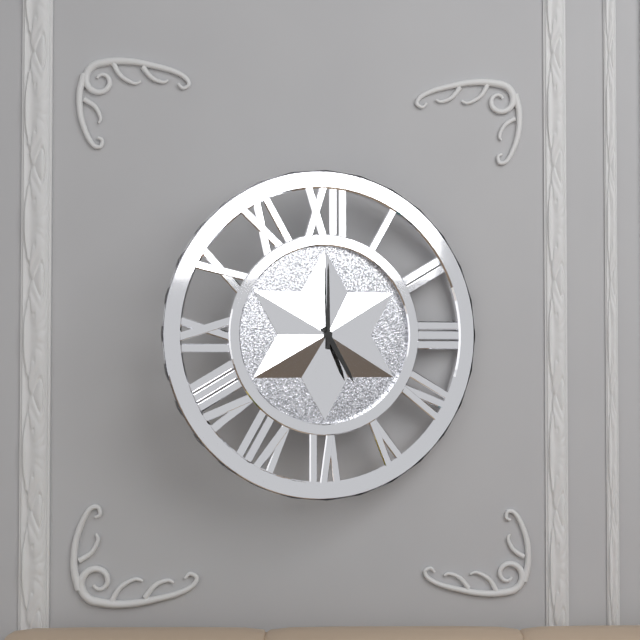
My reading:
5 h 00 min
